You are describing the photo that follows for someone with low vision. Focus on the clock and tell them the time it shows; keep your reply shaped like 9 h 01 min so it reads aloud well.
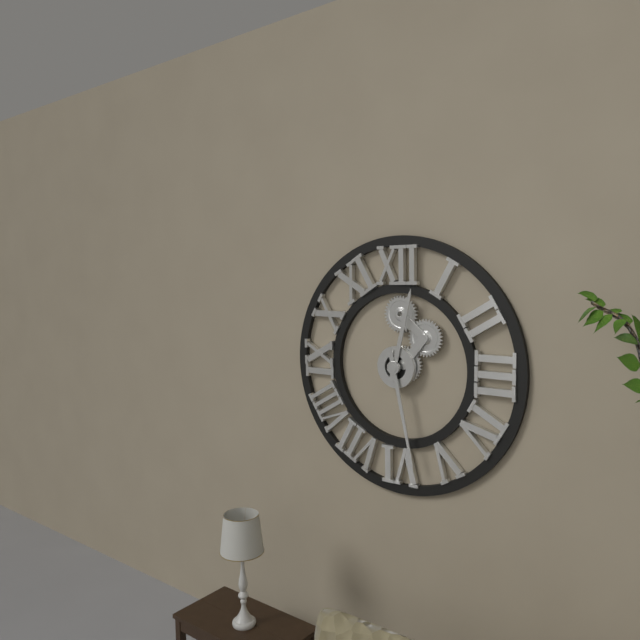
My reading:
12 h 28 min
